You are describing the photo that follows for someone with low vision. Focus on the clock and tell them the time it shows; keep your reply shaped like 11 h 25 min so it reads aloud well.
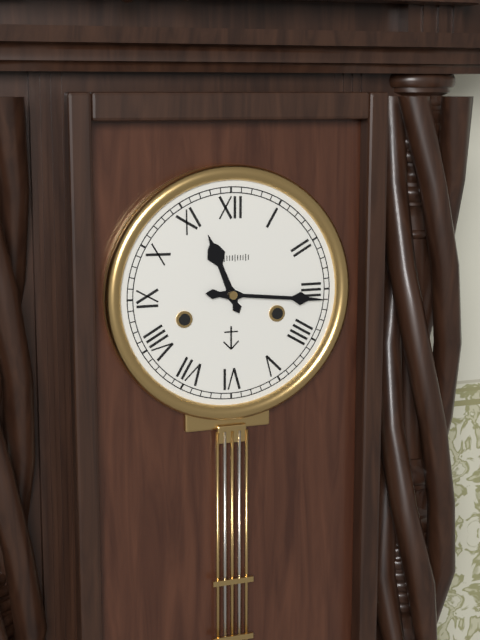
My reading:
11 h 16 min
